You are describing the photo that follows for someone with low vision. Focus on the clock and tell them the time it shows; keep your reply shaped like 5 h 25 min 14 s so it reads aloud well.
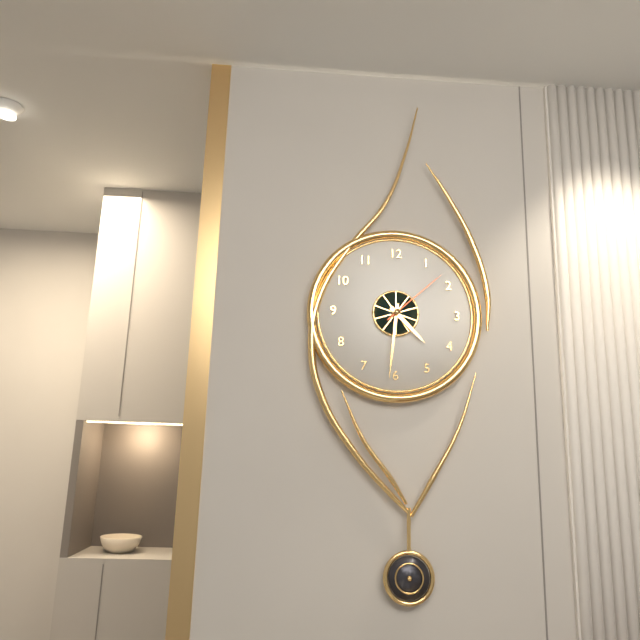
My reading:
4 h 31 min 08 s
